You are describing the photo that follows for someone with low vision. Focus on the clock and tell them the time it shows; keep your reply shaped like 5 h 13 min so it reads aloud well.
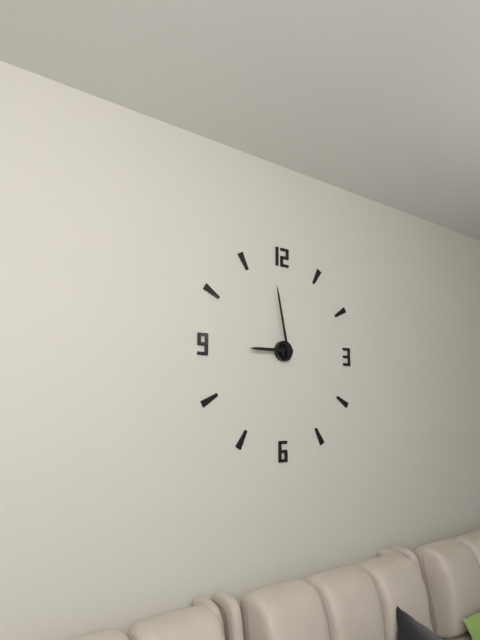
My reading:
8 h 58 min
